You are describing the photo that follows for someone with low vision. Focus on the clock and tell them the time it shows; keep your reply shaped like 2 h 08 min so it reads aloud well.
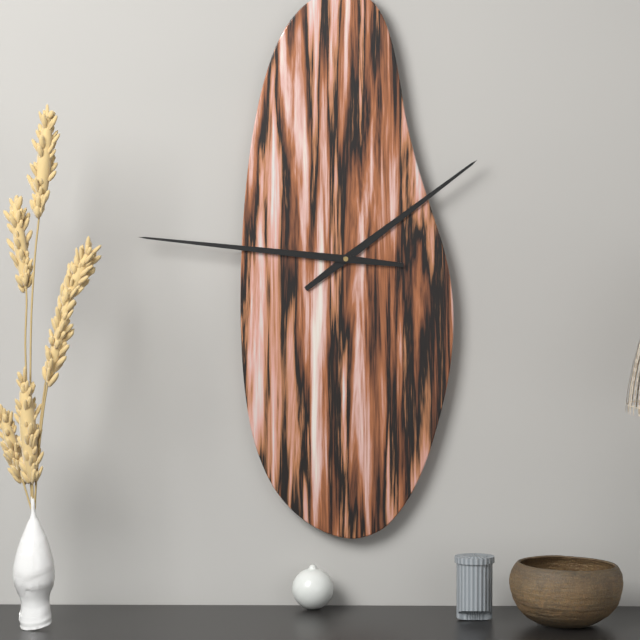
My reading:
1 h 46 min
